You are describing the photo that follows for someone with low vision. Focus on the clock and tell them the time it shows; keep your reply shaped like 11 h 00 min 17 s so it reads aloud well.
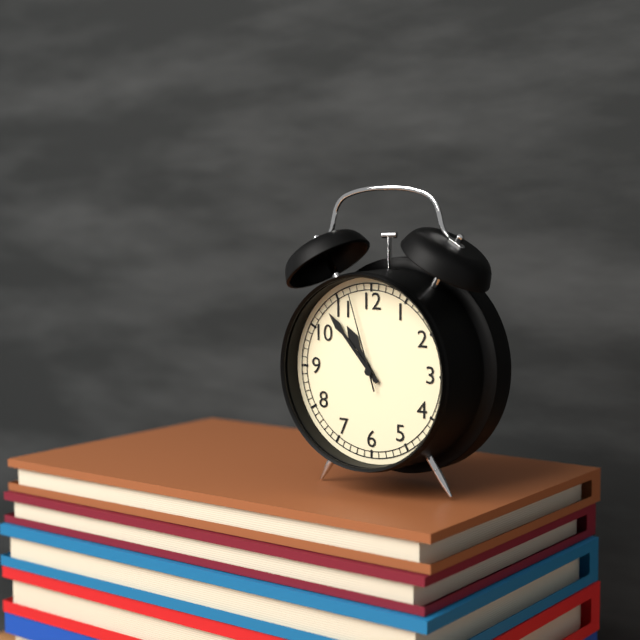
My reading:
10 h 53 min 57 s
